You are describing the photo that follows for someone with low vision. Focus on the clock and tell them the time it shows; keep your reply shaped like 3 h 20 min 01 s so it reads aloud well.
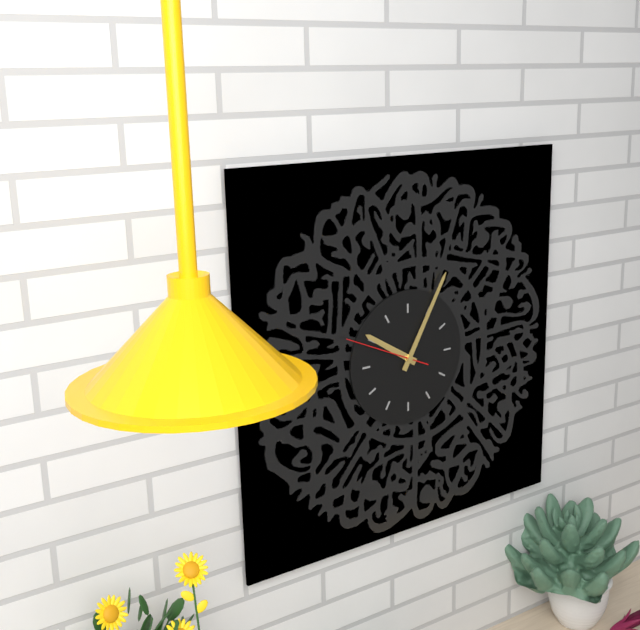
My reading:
10 h 05 min 49 s
